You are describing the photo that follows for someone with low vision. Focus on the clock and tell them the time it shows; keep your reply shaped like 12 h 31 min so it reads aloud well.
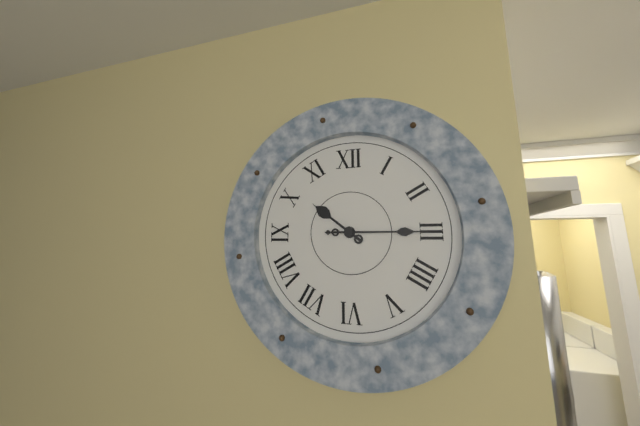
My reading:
10 h 15 min
